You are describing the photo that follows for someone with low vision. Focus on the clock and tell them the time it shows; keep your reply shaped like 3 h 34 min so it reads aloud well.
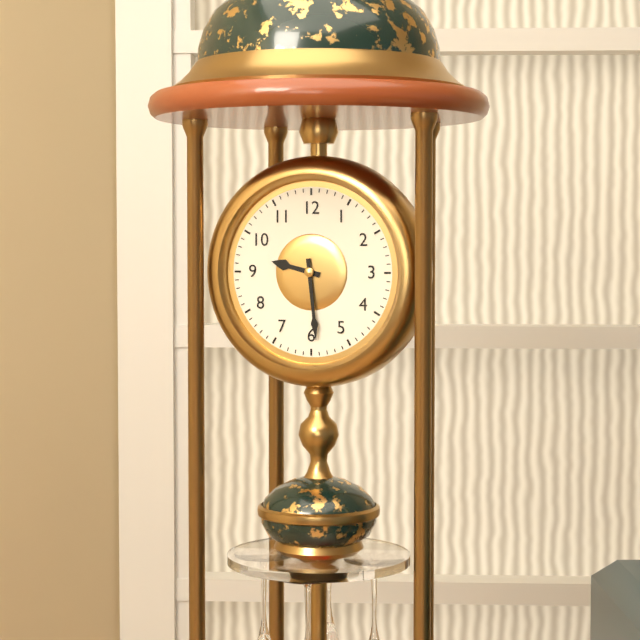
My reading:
9 h 29 min
